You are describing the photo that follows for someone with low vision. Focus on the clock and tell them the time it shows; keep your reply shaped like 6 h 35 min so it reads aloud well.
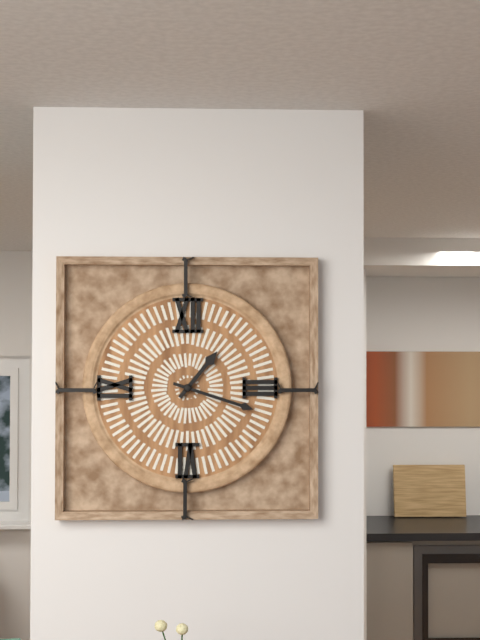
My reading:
1 h 18 min
